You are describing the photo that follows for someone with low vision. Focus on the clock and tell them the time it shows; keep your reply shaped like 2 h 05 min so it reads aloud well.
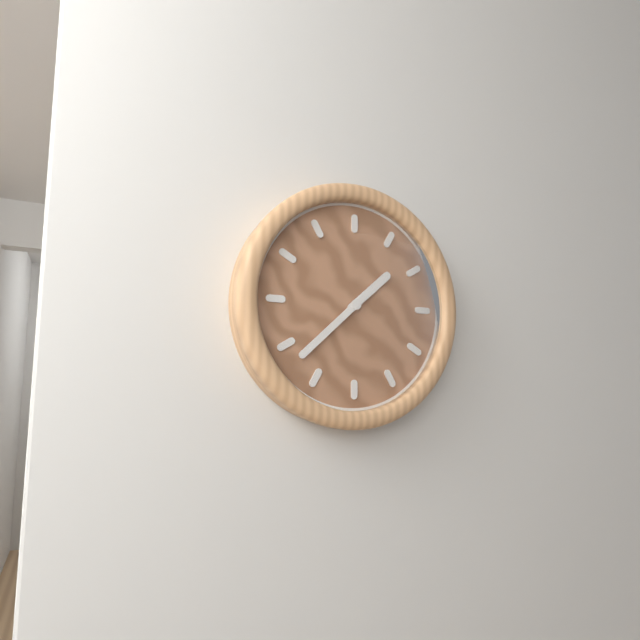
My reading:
1 h 38 min
